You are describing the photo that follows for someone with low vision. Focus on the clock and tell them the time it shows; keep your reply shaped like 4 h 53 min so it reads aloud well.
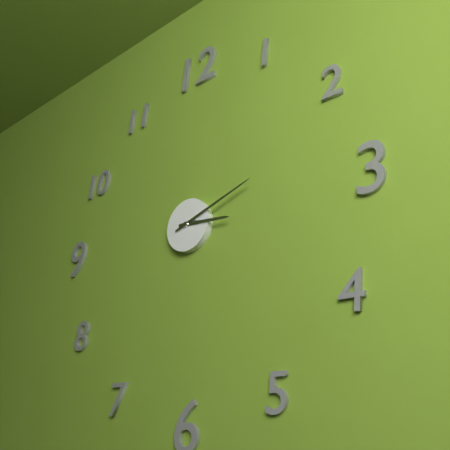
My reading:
3 h 12 min
